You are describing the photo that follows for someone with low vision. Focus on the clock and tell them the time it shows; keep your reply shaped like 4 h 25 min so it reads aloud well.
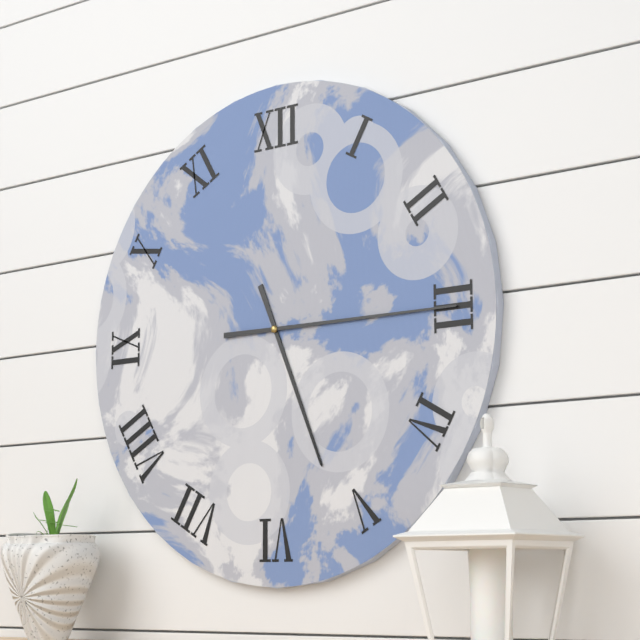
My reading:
5 h 15 min
